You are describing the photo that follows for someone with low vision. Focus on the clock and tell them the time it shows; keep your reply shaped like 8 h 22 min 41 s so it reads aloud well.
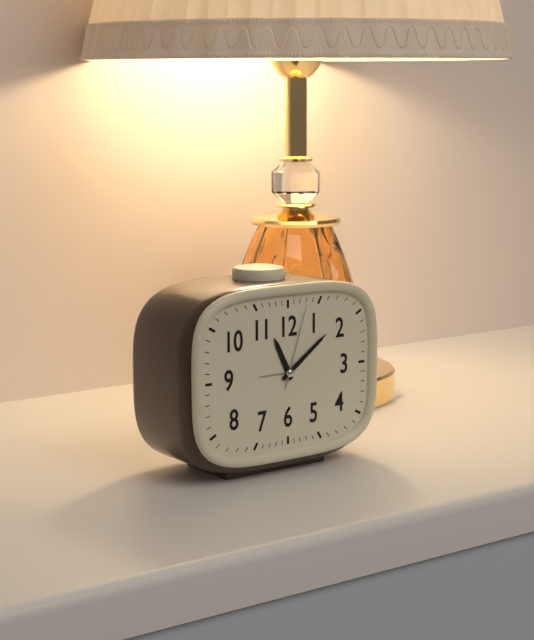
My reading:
11 h 09 min 03 s
